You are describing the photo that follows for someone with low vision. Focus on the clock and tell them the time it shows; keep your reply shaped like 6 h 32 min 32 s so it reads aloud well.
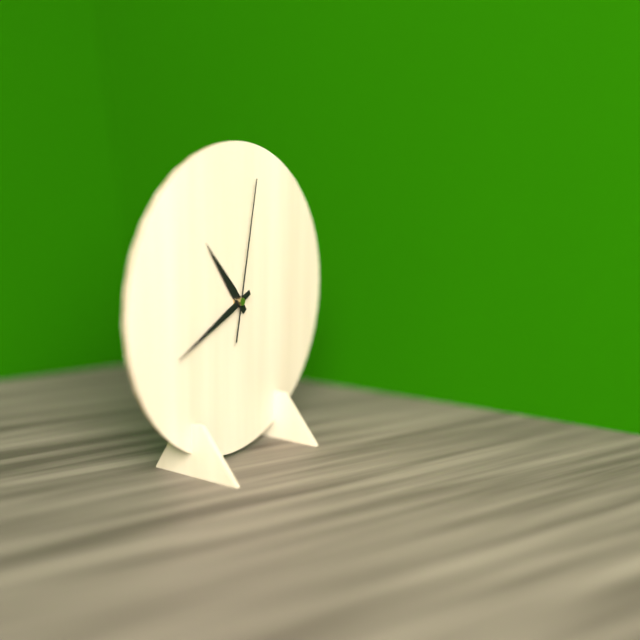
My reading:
10 h 41 min 02 s
